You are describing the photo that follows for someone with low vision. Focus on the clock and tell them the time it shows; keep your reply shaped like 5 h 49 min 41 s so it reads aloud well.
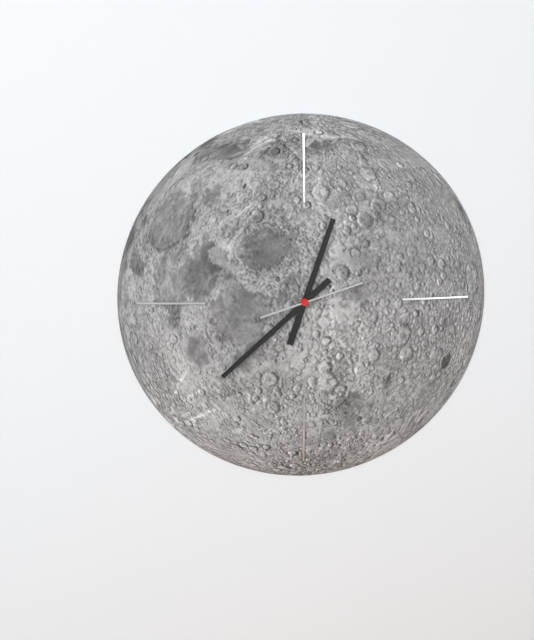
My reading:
12 h 38 min 12 s
